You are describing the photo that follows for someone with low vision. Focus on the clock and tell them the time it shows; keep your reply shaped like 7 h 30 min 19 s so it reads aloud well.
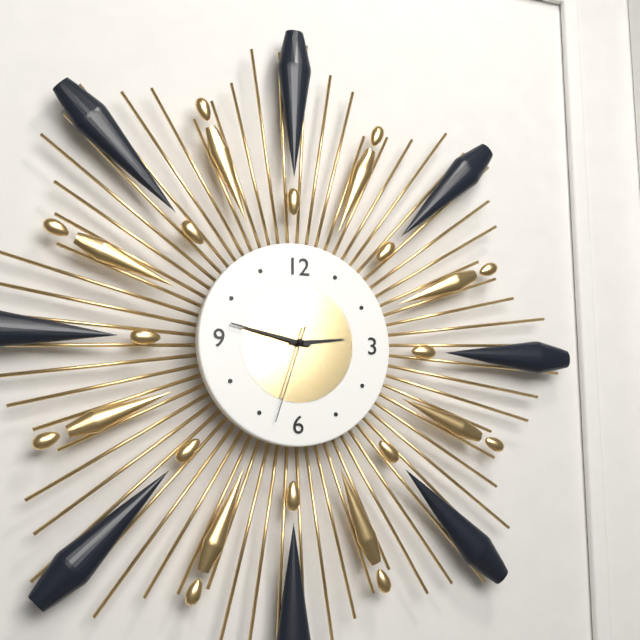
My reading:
2 h 47 min 33 s
